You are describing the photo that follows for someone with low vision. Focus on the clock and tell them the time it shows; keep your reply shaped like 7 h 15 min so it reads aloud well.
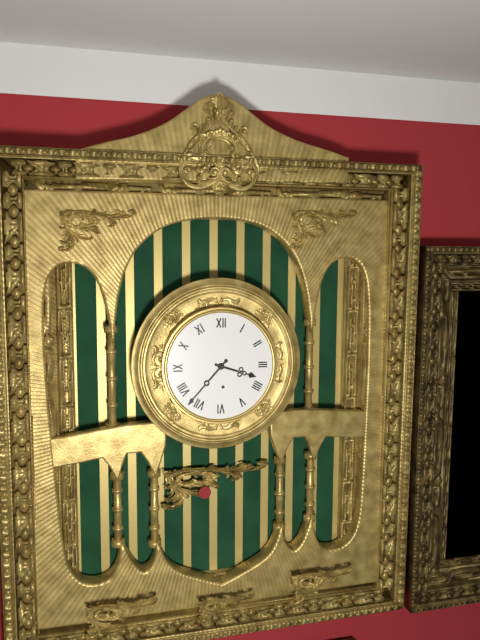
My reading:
3 h 37 min
